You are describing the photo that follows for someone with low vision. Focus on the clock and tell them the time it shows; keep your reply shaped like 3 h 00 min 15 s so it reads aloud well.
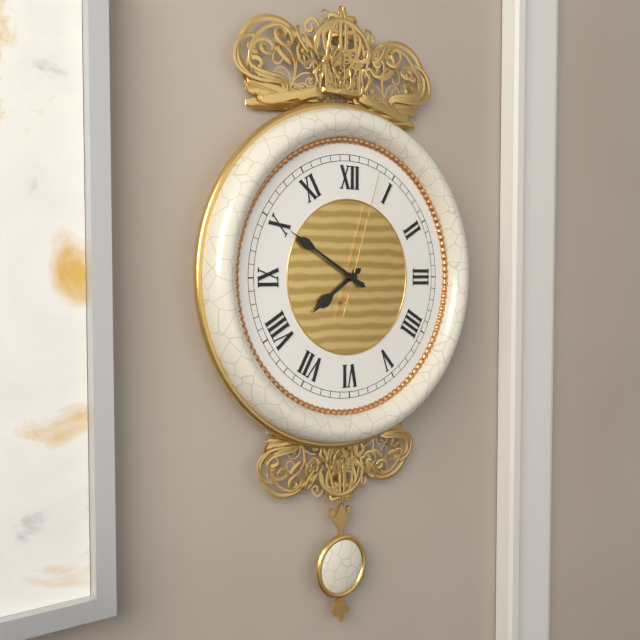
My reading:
7 h 50 min 03 s
